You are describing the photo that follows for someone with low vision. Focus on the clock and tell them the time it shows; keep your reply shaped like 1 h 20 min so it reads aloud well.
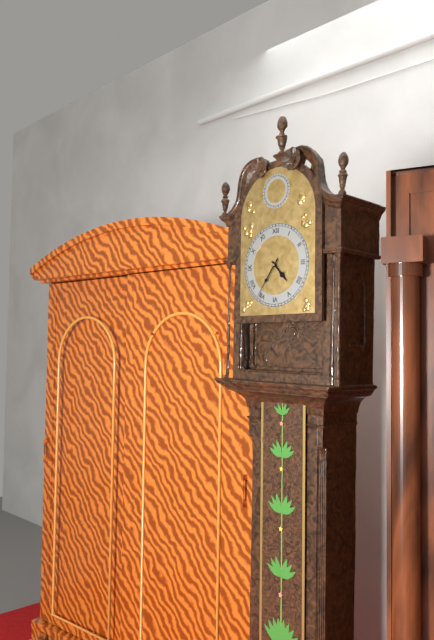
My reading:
4 h 36 min
